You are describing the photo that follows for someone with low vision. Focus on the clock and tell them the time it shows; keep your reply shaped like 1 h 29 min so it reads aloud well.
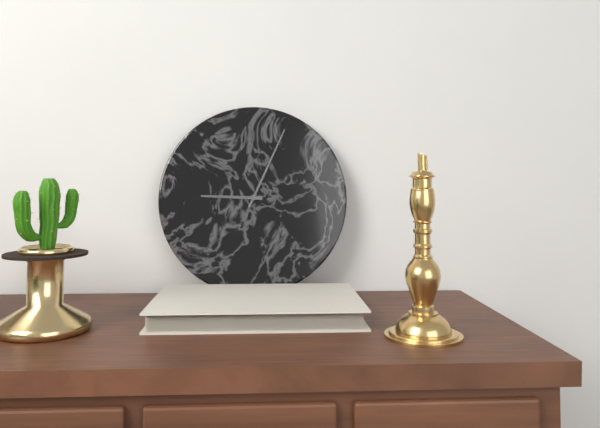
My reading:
9 h 04 min
